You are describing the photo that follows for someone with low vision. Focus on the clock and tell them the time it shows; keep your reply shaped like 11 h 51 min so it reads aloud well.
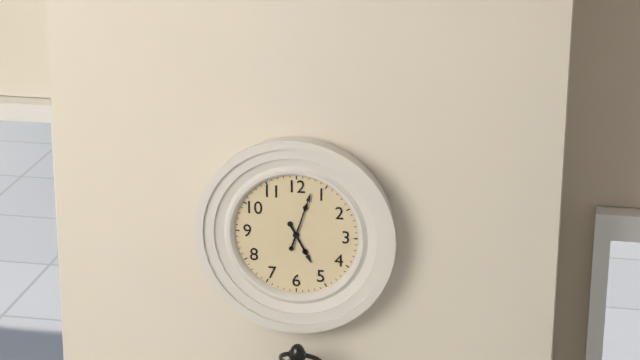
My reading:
5 h 03 min
